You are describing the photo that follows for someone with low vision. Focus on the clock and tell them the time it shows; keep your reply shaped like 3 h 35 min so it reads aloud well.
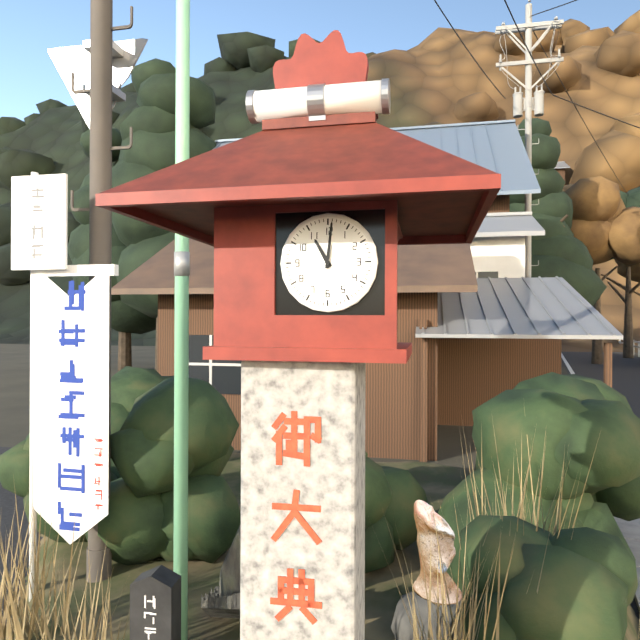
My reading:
11 h 01 min
